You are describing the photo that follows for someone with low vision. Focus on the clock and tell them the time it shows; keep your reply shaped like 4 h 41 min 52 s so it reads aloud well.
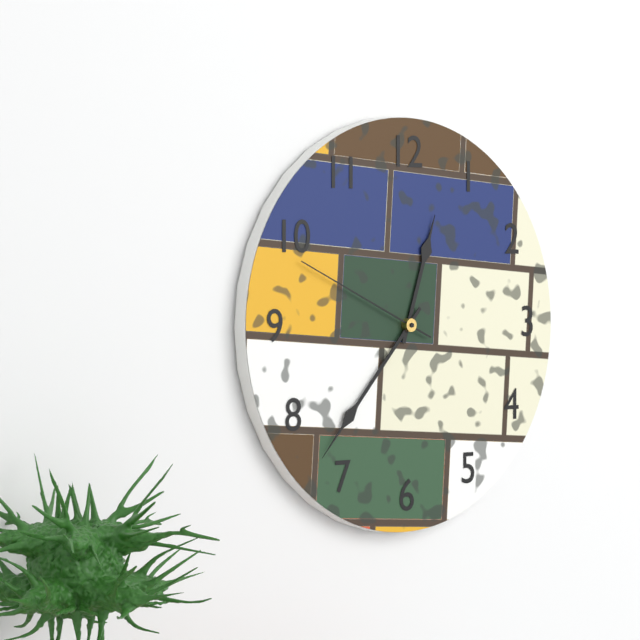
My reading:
12 h 37 min 49 s
